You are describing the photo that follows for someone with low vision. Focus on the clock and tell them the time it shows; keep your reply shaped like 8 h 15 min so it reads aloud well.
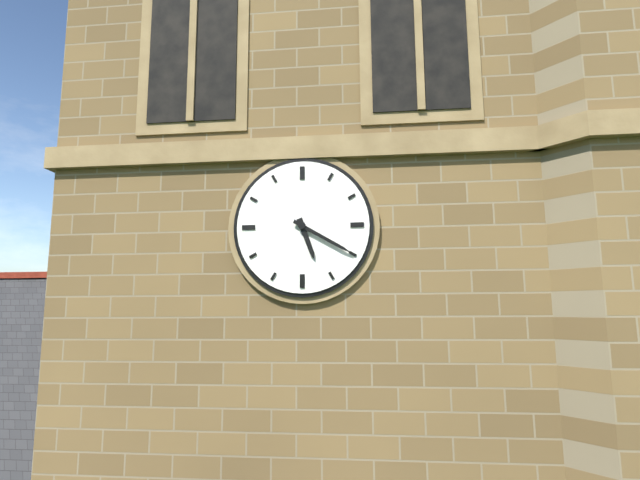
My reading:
5 h 20 min
